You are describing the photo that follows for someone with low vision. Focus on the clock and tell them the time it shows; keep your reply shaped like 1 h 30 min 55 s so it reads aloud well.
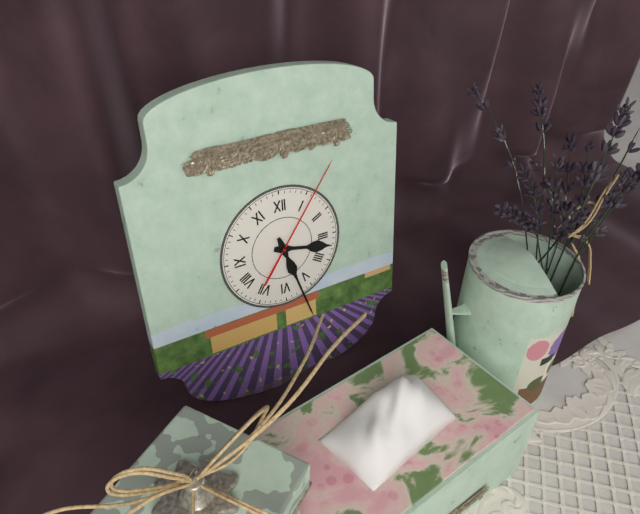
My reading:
3 h 27 min 06 s
